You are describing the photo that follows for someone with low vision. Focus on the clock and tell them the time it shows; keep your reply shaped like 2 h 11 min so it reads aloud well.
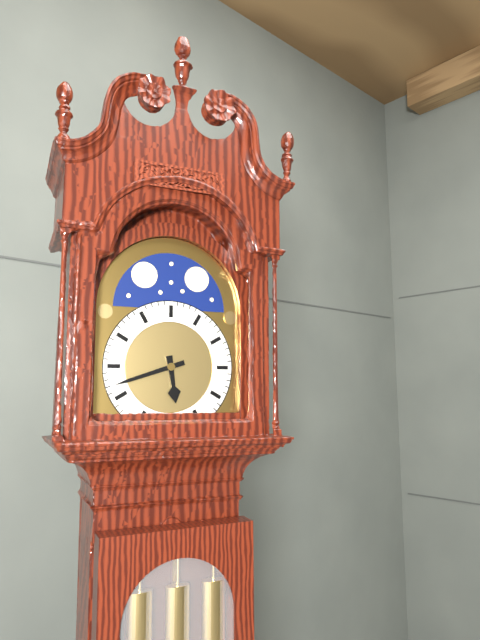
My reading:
5 h 42 min
